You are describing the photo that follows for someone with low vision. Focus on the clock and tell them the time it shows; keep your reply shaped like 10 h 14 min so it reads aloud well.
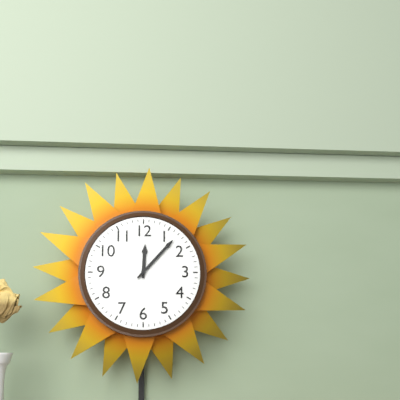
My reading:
12 h 07 min
